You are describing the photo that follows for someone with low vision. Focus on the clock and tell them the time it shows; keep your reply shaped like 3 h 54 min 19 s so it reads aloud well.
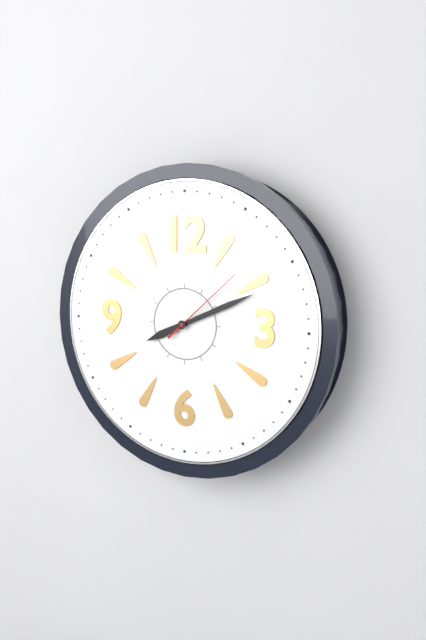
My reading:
8 h 11 min 08 s
